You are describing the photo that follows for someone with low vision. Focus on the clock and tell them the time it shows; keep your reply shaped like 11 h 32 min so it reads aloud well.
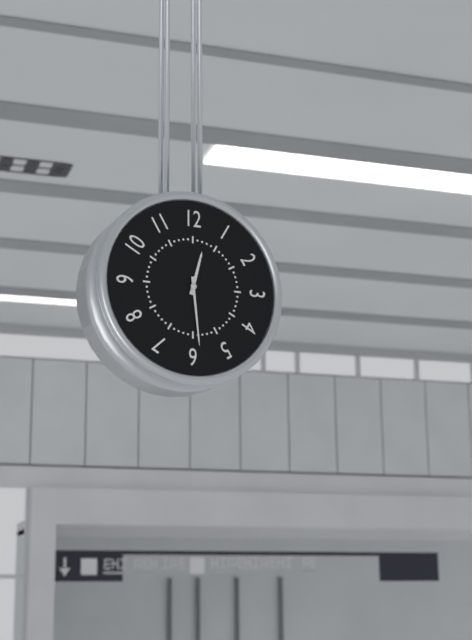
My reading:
12 h 29 min
